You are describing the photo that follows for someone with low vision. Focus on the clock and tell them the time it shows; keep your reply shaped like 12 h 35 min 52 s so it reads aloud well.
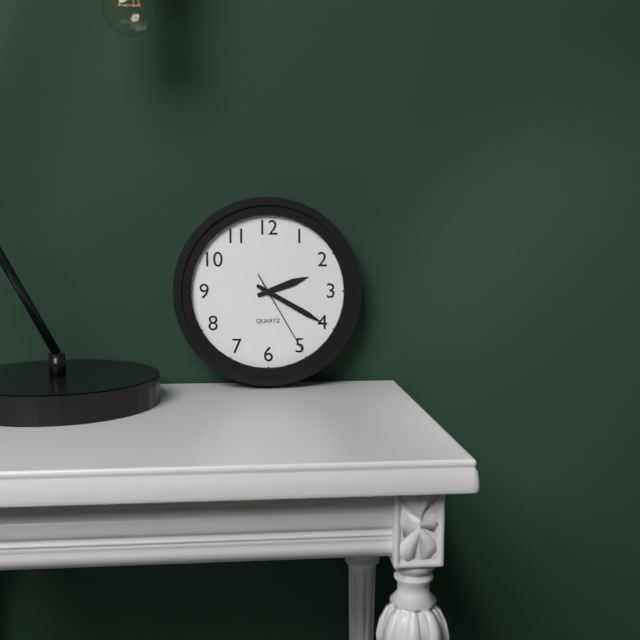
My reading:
2 h 20 min 25 s
